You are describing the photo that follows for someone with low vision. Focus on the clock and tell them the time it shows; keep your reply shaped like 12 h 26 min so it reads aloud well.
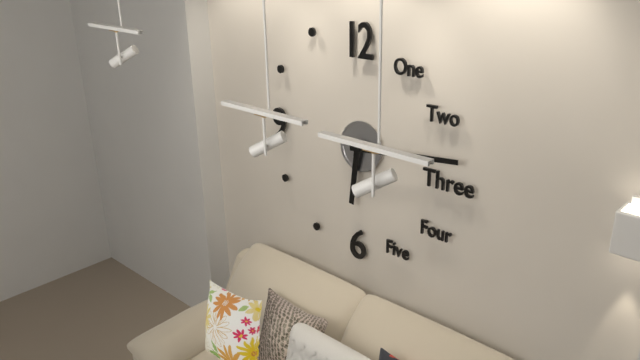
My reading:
6 h 14 min
